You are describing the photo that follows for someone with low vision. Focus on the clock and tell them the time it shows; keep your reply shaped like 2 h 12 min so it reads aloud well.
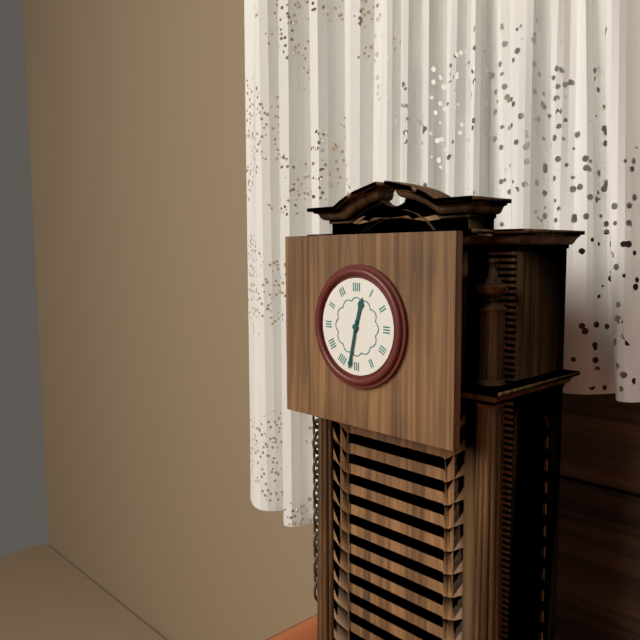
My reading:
12 h 32 min
